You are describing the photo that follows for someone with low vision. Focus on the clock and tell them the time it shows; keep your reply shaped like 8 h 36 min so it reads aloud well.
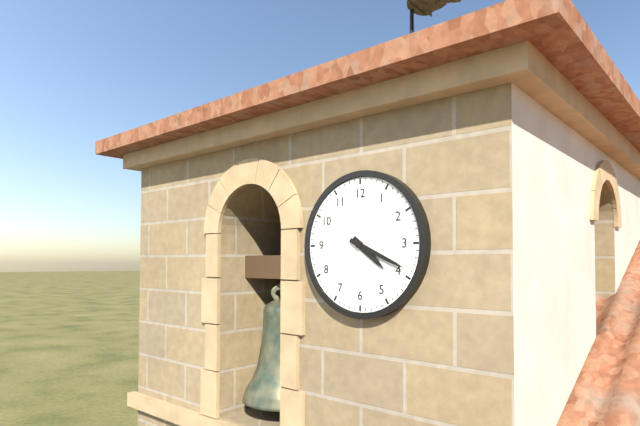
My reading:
4 h 19 min
